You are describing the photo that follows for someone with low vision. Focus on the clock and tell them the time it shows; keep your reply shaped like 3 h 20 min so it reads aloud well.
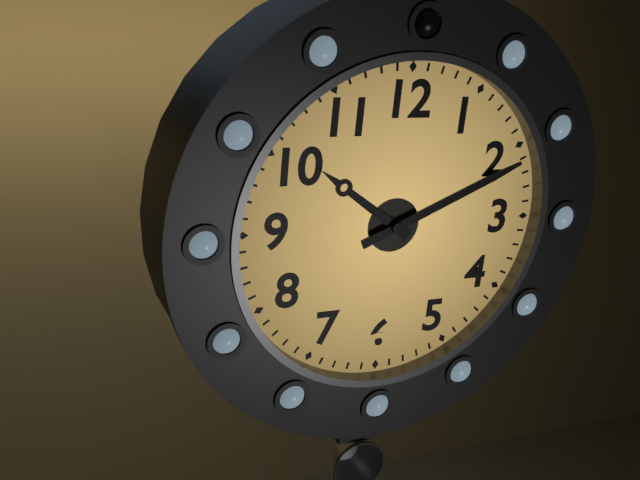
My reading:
10 h 11 min
